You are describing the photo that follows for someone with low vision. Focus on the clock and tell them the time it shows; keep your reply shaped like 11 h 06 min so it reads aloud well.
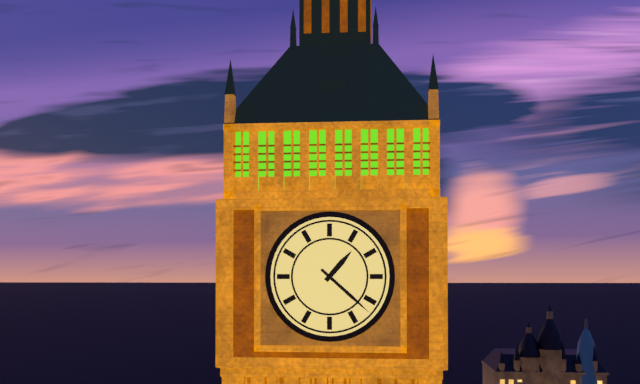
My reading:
1 h 22 min
